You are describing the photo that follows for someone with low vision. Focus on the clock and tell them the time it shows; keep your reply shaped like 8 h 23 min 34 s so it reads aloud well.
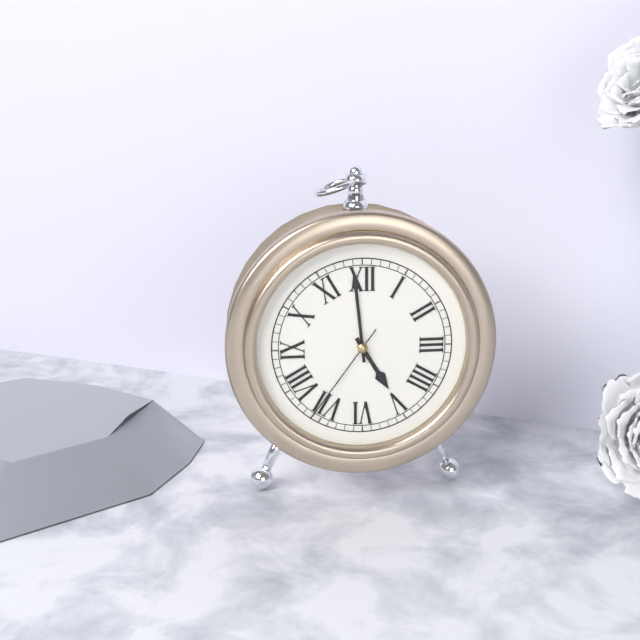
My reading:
4 h 59 min 36 s
